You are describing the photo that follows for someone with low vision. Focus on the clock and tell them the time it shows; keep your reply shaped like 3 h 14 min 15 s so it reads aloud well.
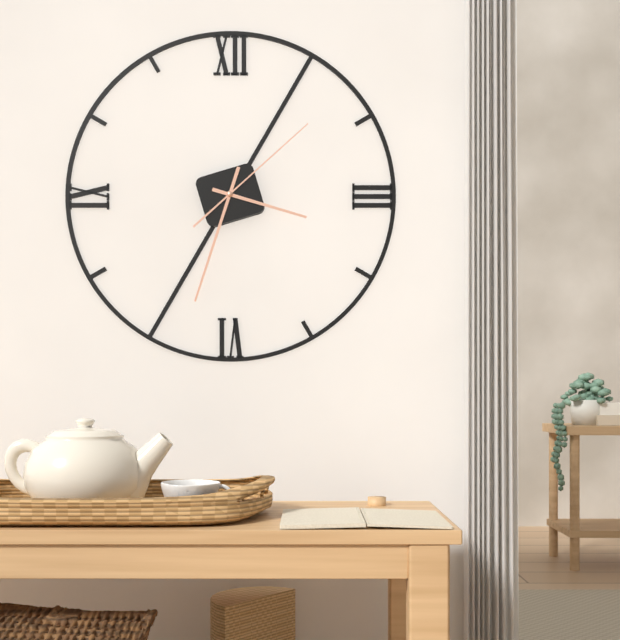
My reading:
3 h 33 min 08 s
